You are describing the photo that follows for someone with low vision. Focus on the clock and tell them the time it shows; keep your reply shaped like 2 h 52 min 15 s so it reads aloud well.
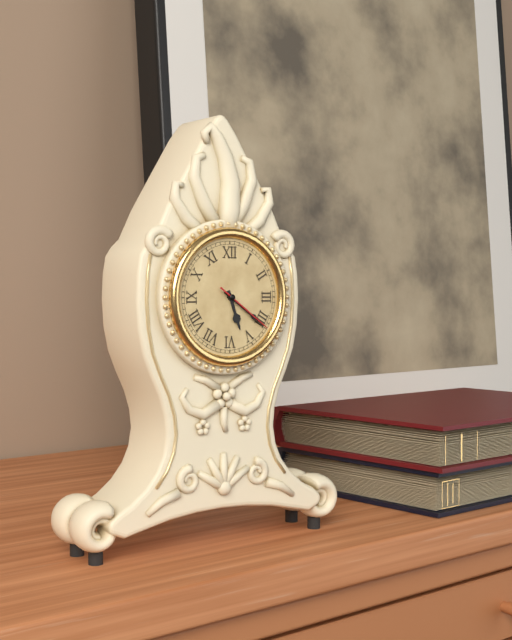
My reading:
5 h 21 min 21 s
